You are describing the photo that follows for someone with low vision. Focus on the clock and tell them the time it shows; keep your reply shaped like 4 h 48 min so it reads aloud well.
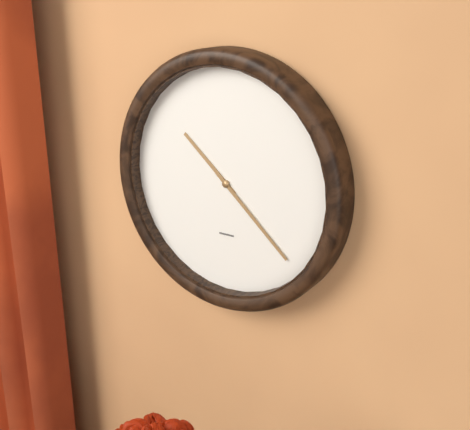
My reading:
10 h 22 min
